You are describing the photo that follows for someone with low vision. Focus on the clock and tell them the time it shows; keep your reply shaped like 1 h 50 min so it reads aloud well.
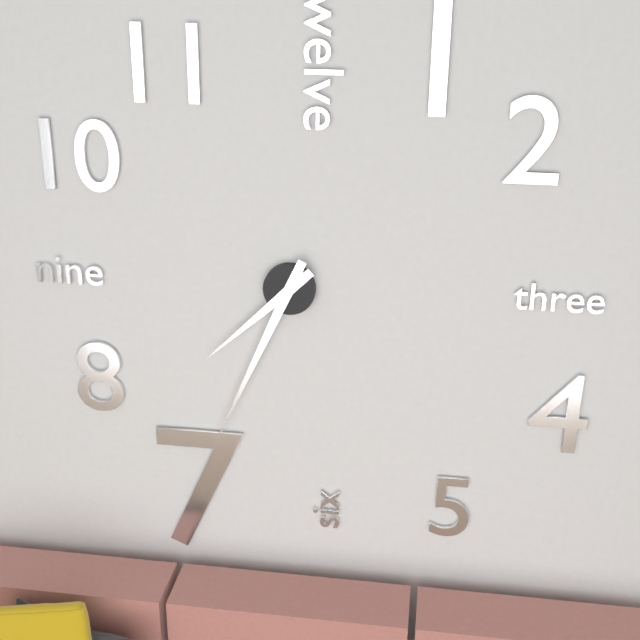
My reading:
7 h 34 min
